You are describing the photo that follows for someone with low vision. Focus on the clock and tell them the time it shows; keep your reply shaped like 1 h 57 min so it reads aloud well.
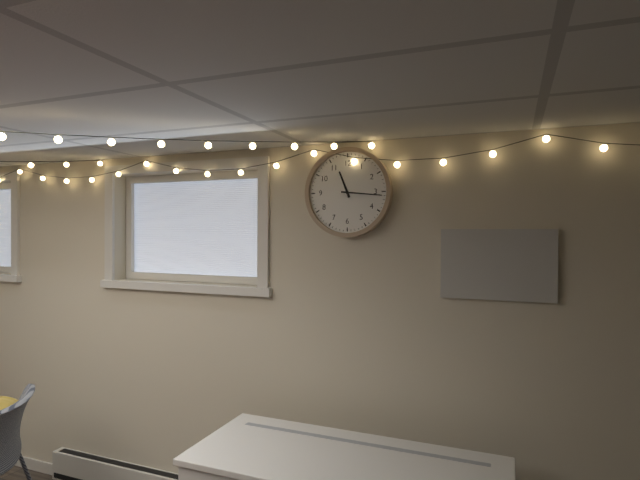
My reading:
11 h 16 min
